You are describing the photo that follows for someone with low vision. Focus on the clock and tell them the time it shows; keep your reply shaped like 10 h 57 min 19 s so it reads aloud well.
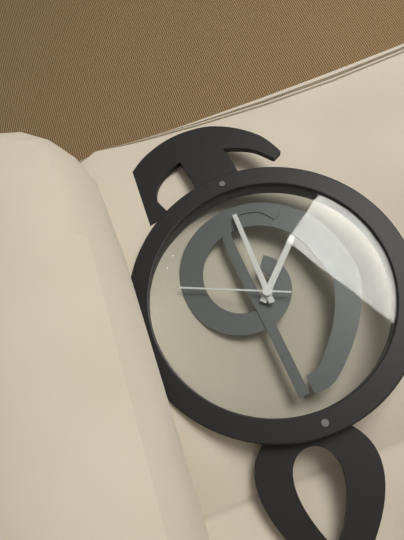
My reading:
7 h 30 min 19 s
